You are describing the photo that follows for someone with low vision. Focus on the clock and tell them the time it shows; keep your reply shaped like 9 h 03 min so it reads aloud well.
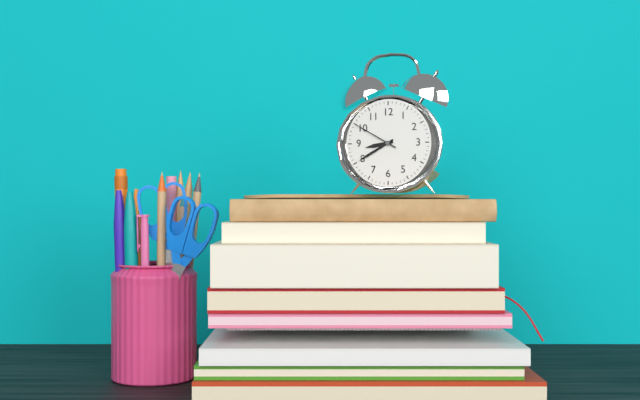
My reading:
8 h 40 min
